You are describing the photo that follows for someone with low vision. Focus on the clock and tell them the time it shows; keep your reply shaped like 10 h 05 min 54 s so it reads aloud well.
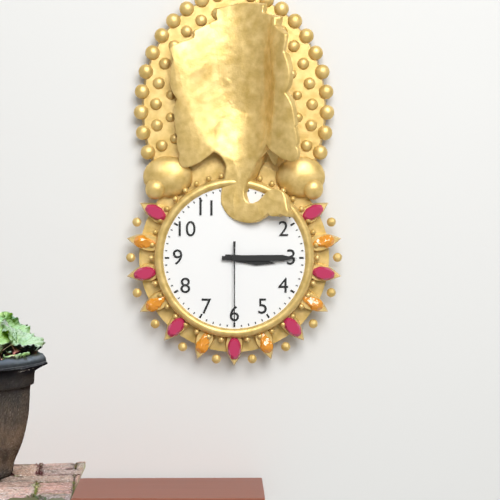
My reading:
3 h 15 min 30 s
